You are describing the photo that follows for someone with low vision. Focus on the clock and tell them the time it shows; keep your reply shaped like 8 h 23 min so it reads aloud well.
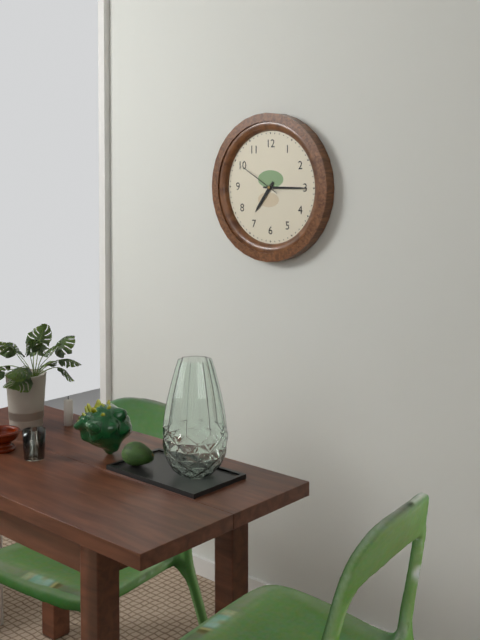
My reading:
7 h 15 min
